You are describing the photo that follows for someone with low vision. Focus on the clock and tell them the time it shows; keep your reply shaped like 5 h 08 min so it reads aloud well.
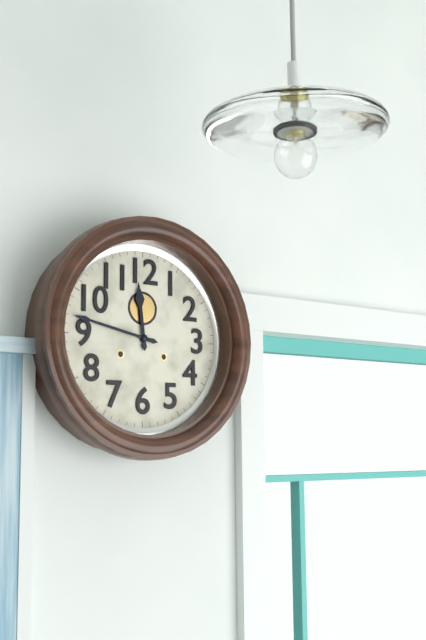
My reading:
11 h 47 min
